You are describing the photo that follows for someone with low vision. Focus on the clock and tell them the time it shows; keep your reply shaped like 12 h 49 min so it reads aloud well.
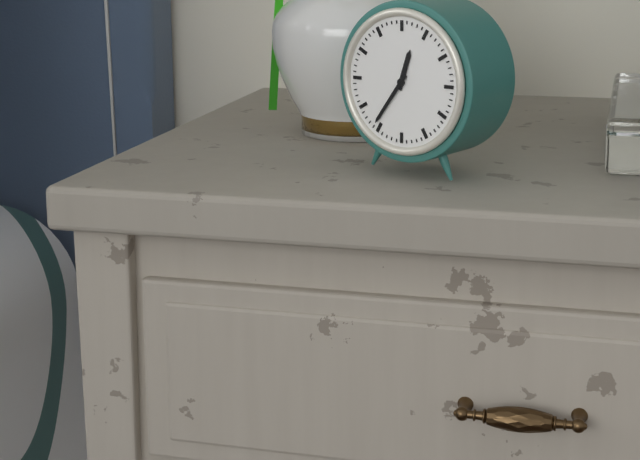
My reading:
12 h 36 min
